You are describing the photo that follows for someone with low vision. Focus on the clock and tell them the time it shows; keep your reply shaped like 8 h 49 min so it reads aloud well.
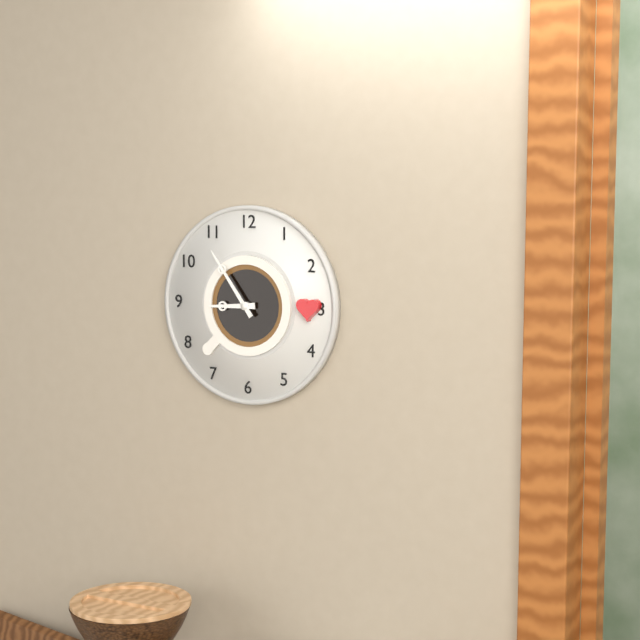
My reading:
8 h 54 min
